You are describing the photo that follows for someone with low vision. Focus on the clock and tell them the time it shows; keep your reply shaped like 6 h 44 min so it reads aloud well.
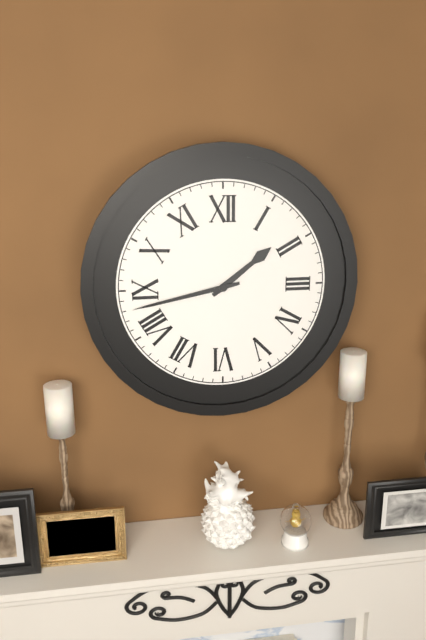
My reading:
1 h 43 min
